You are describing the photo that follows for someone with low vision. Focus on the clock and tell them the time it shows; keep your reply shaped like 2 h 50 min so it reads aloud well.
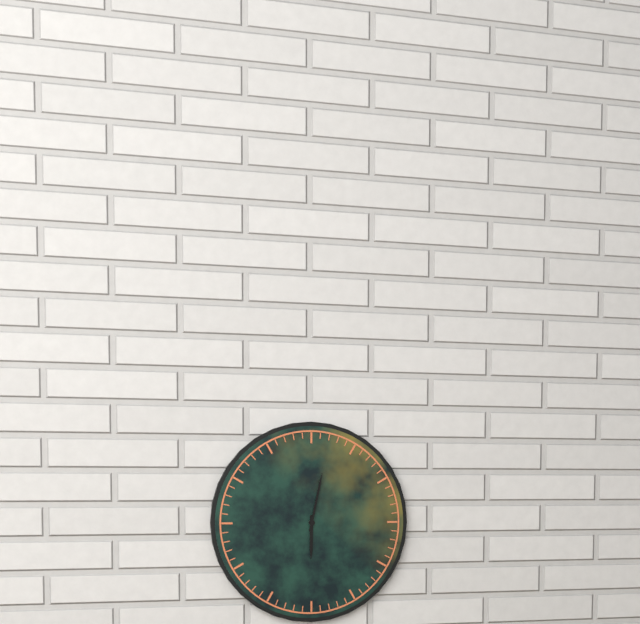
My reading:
6 h 02 min
